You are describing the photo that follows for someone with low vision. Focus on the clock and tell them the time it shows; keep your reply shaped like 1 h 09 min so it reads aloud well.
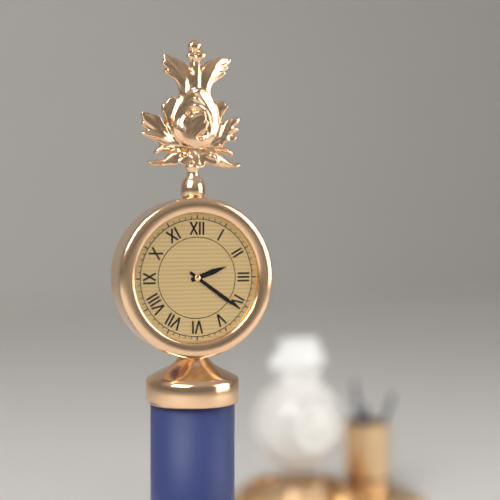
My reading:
2 h 21 min
